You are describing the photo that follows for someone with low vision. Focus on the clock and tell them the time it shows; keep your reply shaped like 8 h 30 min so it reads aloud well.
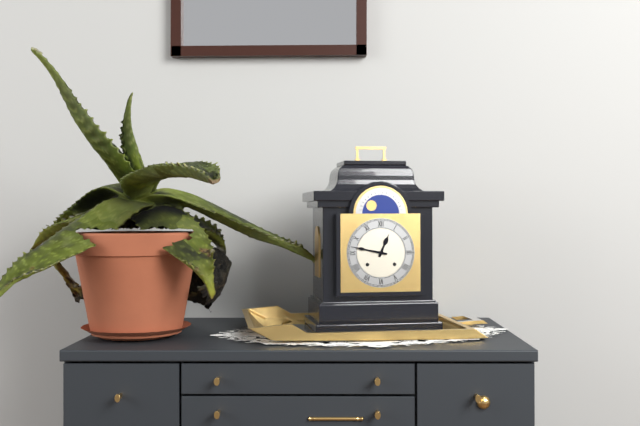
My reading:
12 h 47 min
